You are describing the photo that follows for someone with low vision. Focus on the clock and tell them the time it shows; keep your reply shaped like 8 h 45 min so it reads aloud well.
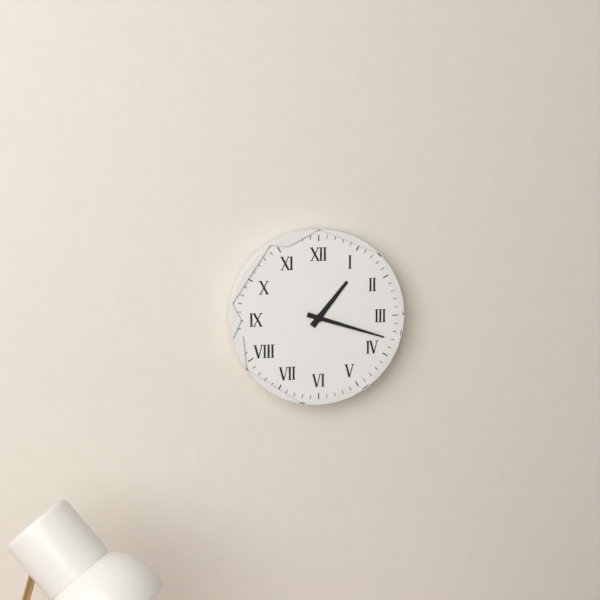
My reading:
1 h 18 min
